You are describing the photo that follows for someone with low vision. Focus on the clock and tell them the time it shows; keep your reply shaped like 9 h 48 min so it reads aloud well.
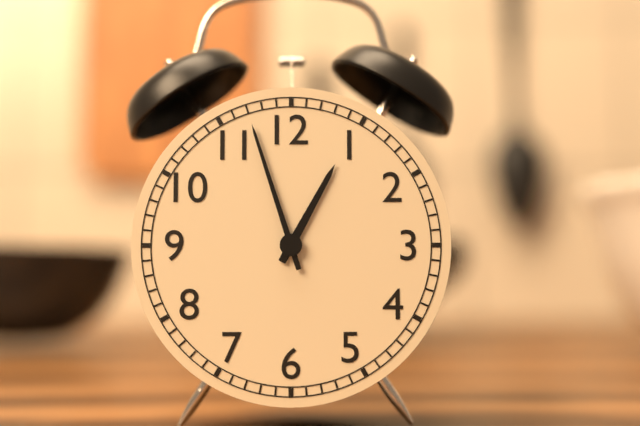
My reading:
12 h 57 min
